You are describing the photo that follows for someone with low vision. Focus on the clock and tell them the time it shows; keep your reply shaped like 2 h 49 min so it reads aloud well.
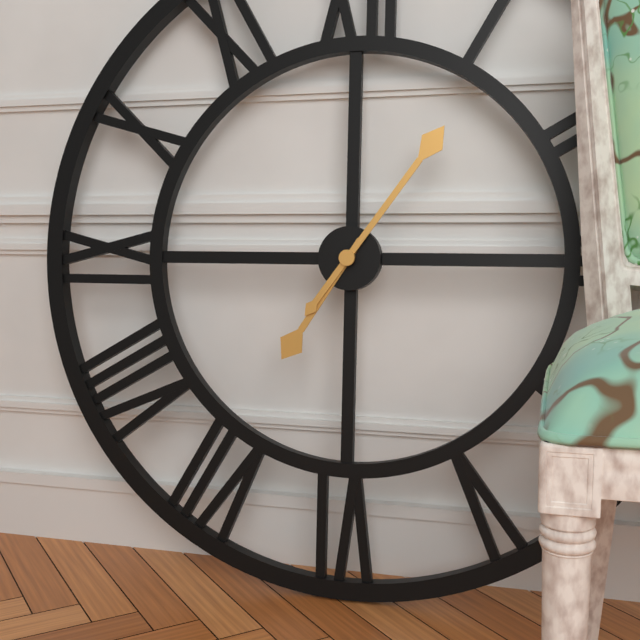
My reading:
7 h 06 min
